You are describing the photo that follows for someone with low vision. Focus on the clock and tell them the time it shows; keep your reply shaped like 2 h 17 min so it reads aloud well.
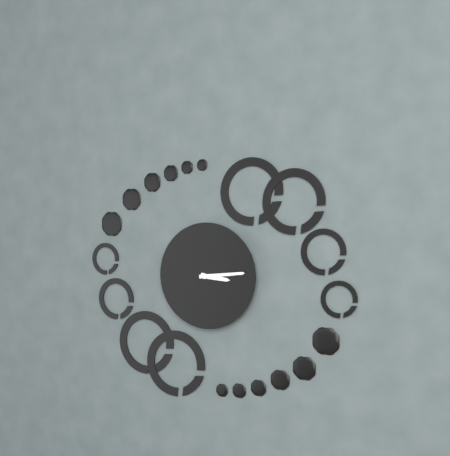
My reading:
3 h 14 min
